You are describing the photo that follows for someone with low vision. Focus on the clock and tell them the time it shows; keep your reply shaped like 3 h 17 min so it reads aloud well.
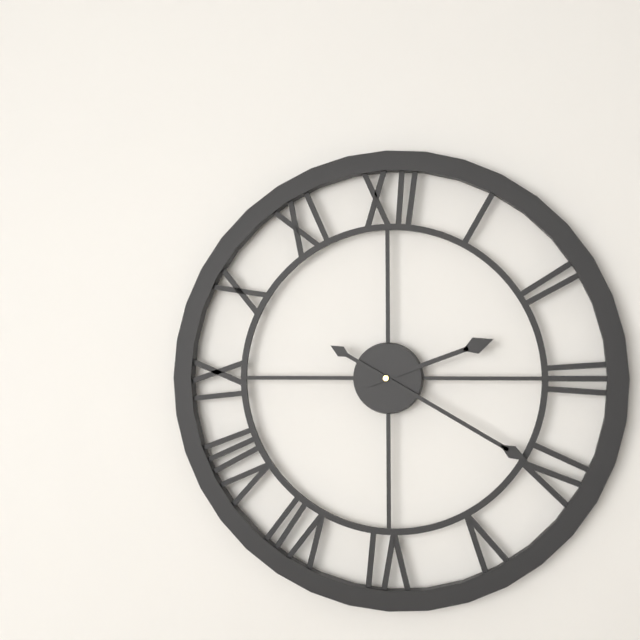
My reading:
2 h 20 min
